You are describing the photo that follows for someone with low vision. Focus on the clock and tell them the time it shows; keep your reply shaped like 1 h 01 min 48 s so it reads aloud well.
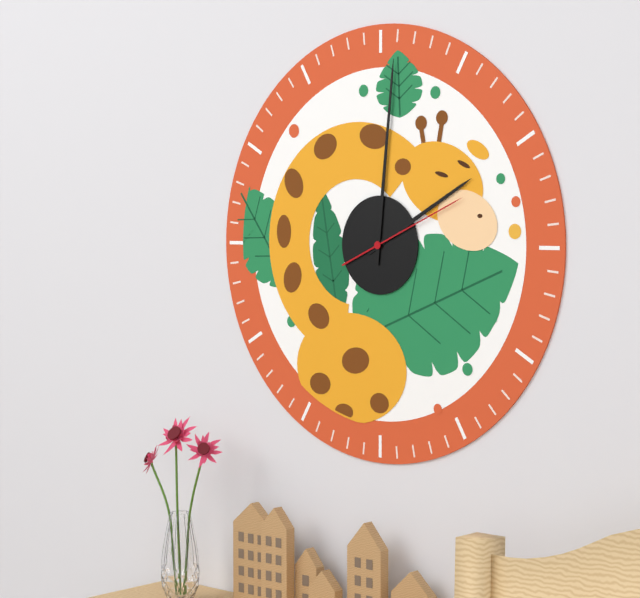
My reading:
2 h 01 min 11 s
